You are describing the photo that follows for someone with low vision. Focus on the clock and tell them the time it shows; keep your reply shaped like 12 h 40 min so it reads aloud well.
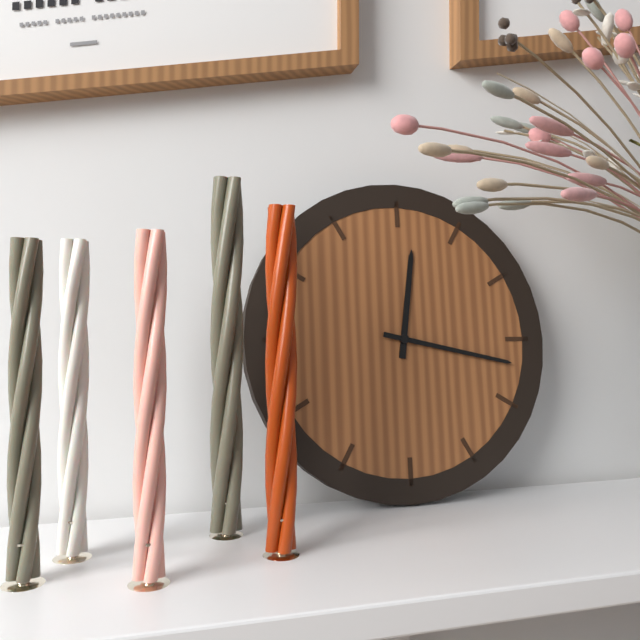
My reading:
12 h 17 min
